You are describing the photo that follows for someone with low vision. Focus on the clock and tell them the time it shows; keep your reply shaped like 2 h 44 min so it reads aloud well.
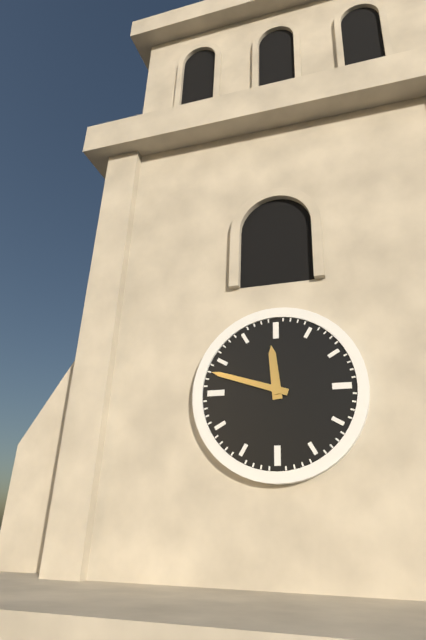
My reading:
11 h 48 min
